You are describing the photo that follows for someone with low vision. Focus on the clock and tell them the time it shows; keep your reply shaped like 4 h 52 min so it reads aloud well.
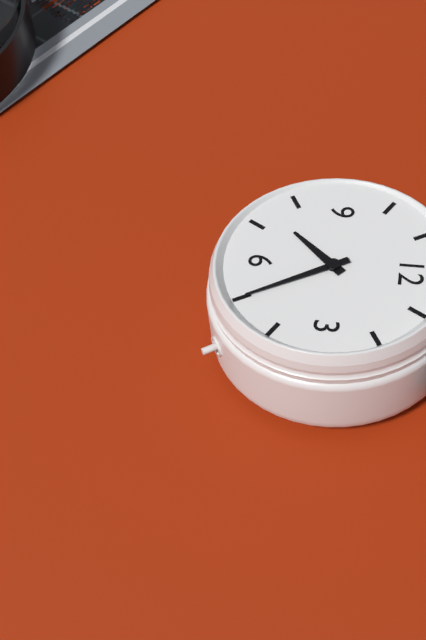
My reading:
7 h 25 min
